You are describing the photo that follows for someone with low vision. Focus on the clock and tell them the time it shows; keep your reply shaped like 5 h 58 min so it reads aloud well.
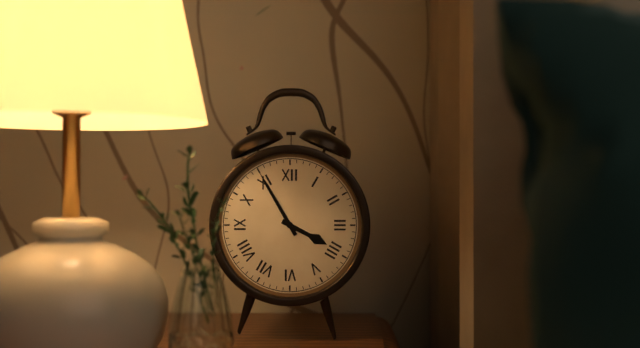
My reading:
3 h 55 min
